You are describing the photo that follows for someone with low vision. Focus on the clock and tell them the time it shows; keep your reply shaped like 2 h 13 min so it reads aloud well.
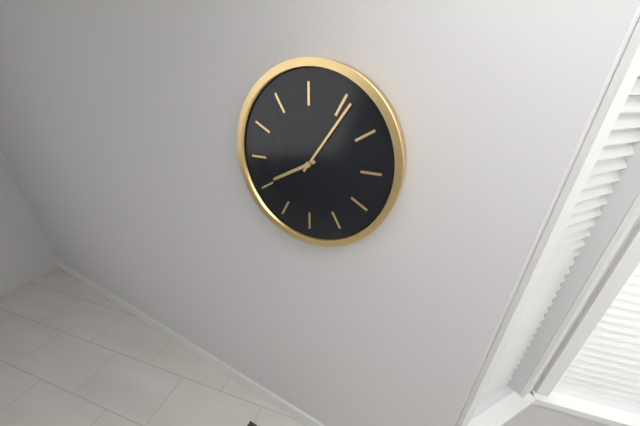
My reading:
8 h 06 min
